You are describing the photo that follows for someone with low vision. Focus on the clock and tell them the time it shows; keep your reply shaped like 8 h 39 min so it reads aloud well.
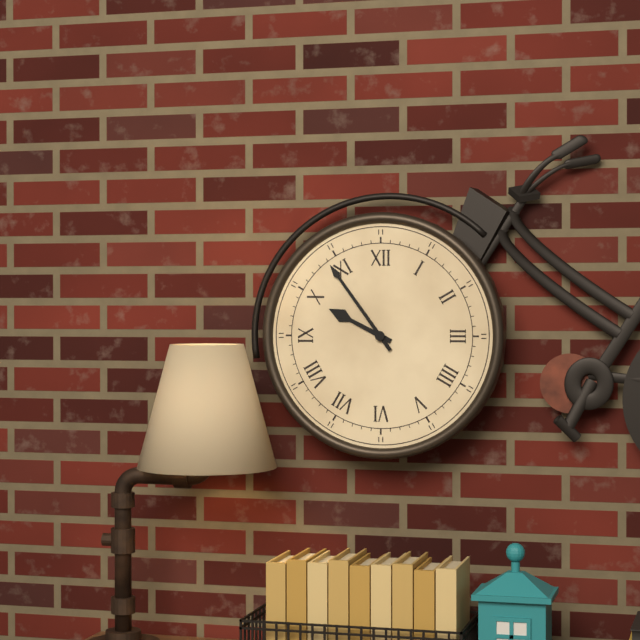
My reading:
9 h 54 min
